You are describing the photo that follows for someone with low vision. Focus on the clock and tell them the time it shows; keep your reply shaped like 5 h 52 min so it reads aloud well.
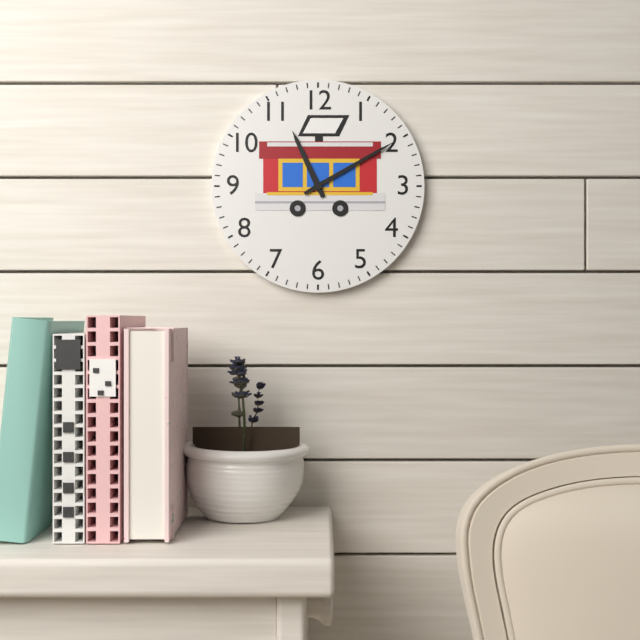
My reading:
11 h 10 min
